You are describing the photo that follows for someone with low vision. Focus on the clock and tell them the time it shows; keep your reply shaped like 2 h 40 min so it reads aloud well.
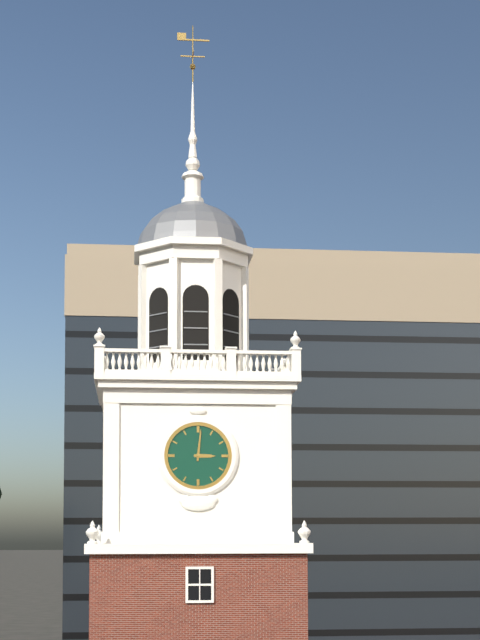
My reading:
3 h 01 min
